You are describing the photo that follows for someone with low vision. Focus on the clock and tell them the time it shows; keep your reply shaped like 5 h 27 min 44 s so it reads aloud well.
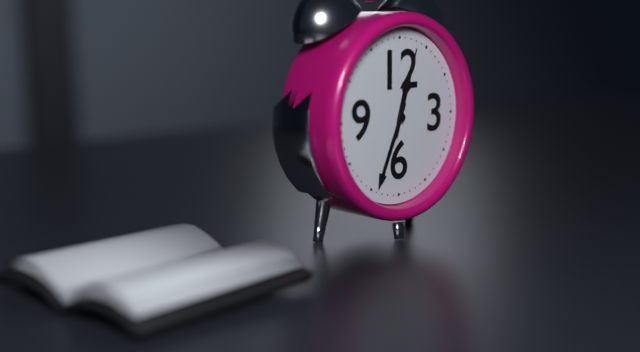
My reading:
12 h 34 min 03 s
